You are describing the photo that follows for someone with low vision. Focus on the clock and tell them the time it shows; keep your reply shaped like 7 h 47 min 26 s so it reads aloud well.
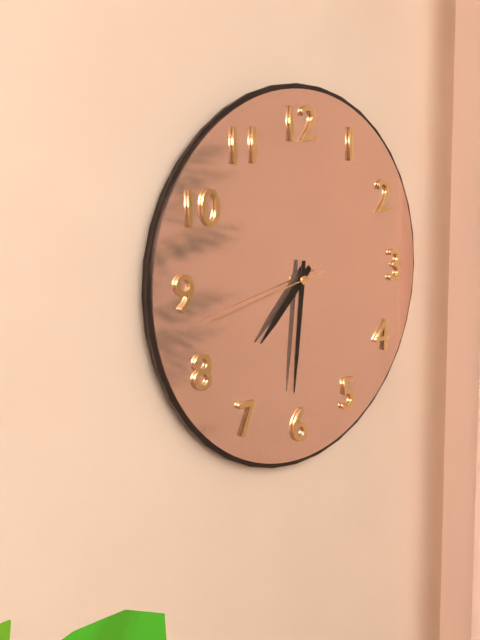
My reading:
7 h 31 min 43 s
